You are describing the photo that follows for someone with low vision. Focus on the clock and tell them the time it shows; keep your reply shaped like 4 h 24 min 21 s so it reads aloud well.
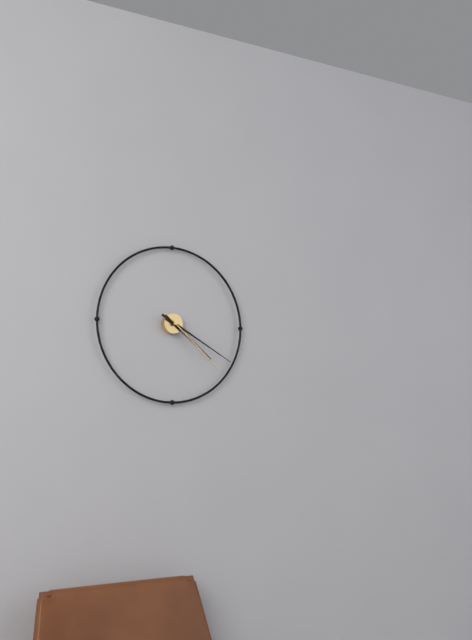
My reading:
4 h 20 min 22 s
